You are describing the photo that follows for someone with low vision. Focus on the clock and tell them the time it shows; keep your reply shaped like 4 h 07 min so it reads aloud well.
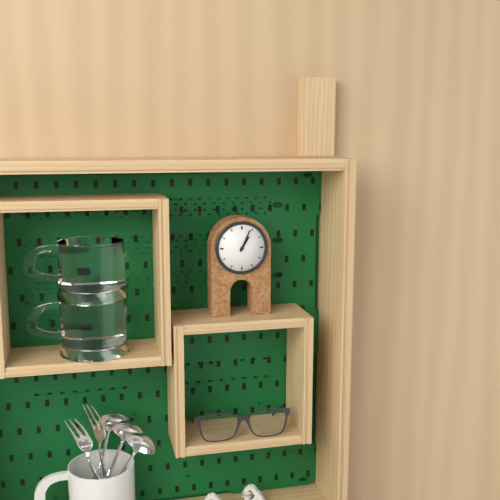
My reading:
1 h 04 min
